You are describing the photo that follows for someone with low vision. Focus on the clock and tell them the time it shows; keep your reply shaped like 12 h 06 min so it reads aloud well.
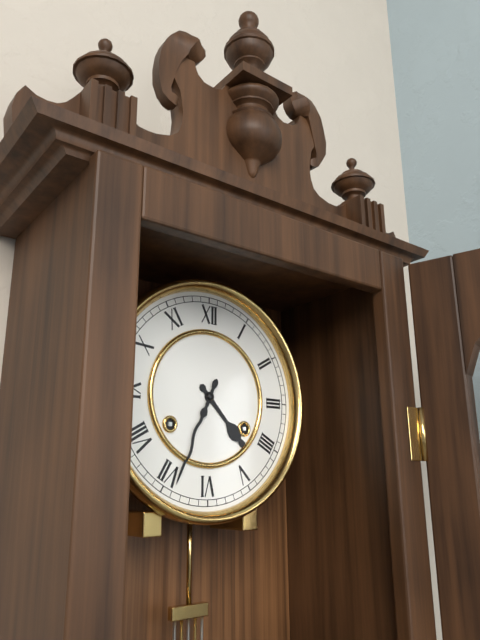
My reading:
4 h 34 min
